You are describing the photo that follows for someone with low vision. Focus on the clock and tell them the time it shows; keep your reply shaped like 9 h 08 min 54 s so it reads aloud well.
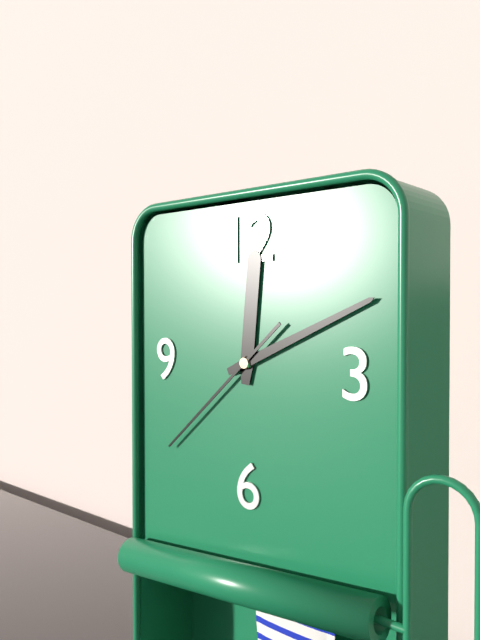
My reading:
12 h 11 min 38 s
